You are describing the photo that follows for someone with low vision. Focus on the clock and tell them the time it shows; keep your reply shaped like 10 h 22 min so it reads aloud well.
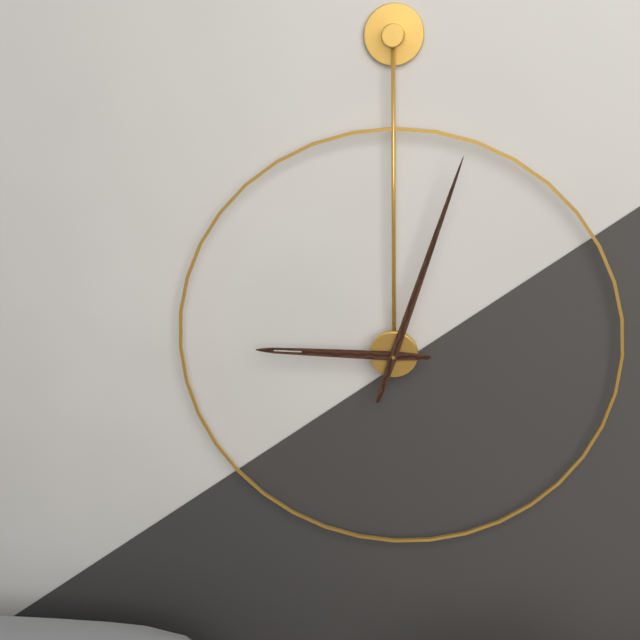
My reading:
9 h 03 min
